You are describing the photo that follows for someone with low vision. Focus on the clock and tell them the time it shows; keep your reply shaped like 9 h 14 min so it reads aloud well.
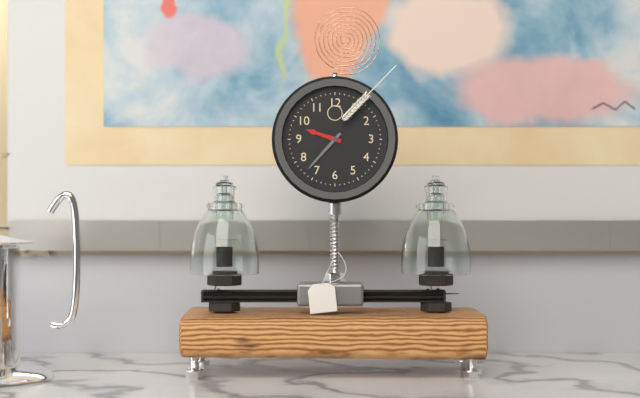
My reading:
9 h 37 min
